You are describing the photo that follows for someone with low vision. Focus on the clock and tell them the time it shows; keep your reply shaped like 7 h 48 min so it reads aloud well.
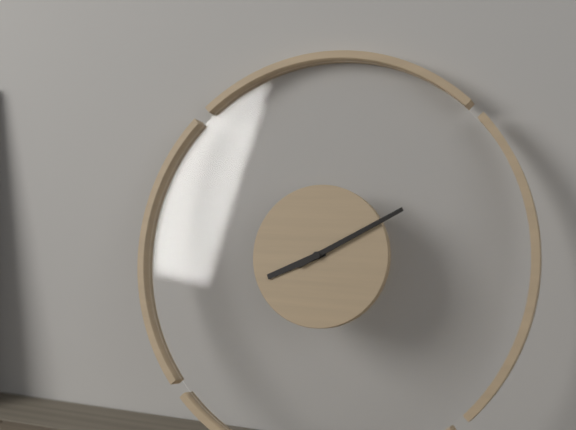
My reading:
8 h 10 min
